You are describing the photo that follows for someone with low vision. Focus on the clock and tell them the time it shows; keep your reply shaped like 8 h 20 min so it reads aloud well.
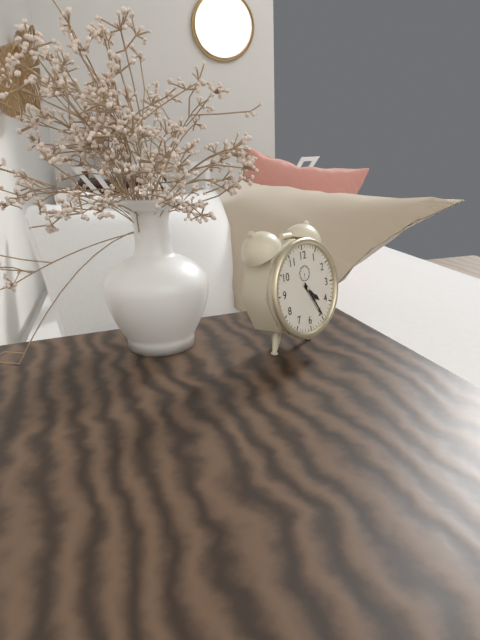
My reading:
4 h 25 min
